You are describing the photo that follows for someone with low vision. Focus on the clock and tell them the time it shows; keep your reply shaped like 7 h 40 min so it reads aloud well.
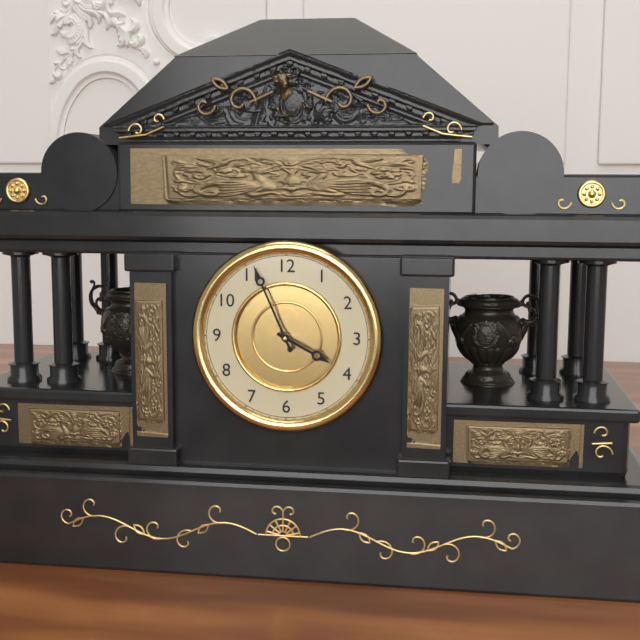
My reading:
3 h 56 min
